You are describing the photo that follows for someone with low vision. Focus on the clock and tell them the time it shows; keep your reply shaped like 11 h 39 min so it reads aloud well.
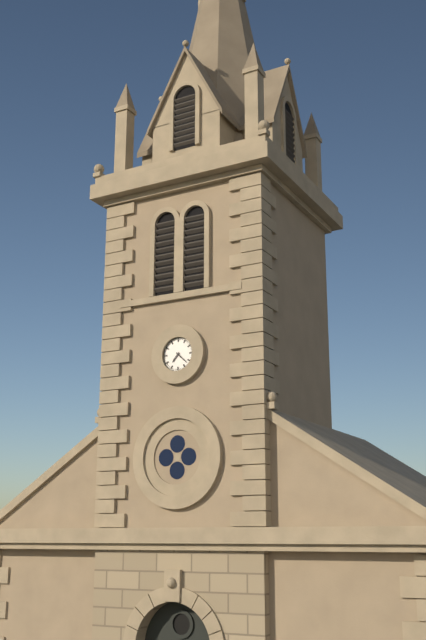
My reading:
7 h 22 min
